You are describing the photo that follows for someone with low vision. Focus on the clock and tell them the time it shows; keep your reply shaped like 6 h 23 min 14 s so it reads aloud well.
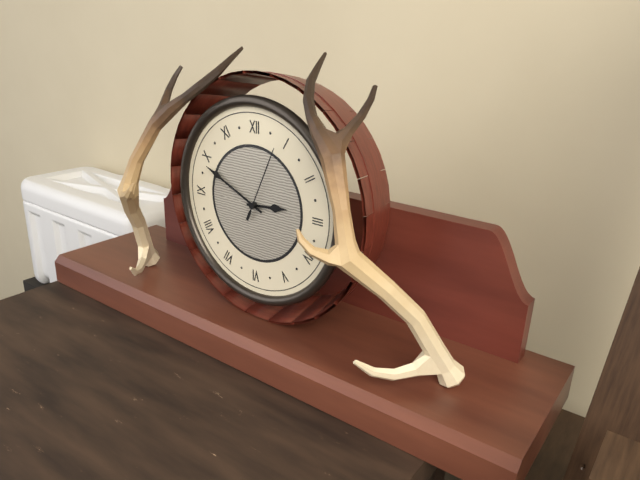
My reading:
2 h 49 min 04 s
